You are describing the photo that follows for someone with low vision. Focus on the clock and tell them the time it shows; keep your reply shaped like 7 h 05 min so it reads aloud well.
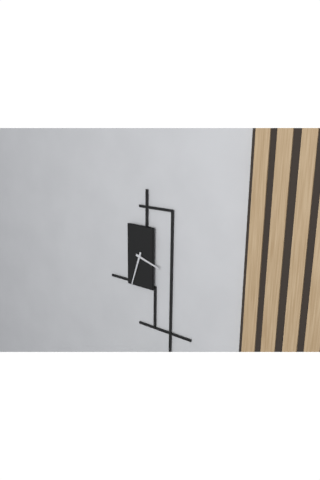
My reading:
3 h 33 min
